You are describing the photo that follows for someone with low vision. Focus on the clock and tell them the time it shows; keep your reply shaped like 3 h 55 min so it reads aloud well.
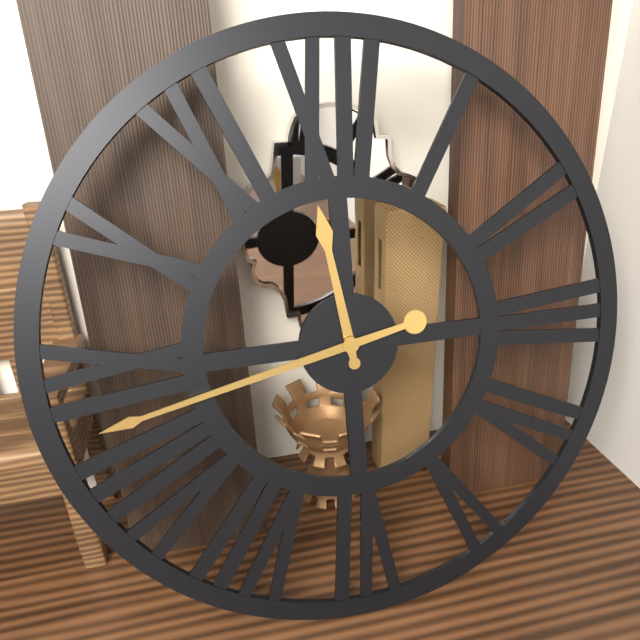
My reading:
11 h 43 min
